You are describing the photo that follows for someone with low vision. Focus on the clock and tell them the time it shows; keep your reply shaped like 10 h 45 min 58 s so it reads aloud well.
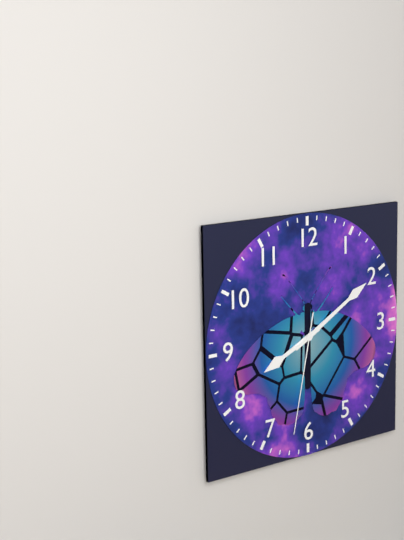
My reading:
8 h 10 min 32 s
